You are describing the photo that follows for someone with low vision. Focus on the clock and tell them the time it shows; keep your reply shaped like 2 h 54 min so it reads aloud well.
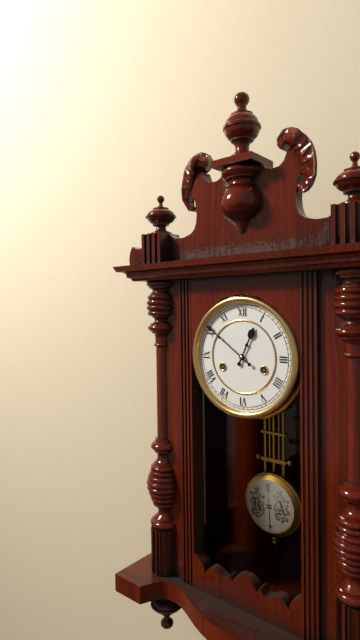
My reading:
12 h 51 min
